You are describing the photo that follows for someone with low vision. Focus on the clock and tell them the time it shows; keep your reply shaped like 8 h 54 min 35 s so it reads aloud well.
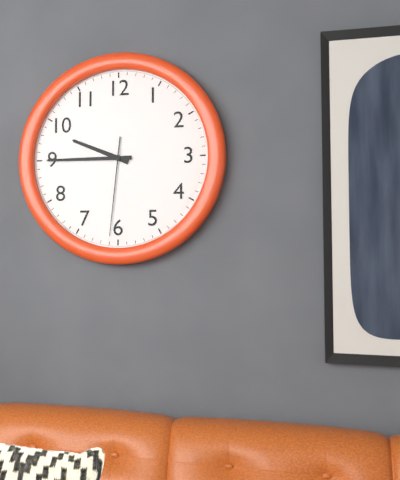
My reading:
9 h 45 min 31 s
